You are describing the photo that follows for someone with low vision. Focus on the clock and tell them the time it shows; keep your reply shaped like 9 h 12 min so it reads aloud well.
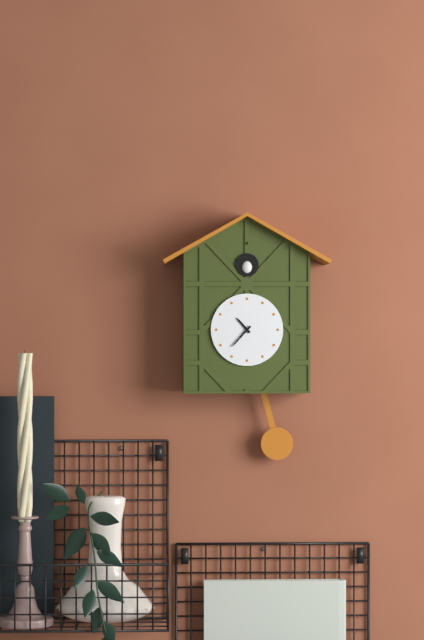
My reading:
10 h 37 min
